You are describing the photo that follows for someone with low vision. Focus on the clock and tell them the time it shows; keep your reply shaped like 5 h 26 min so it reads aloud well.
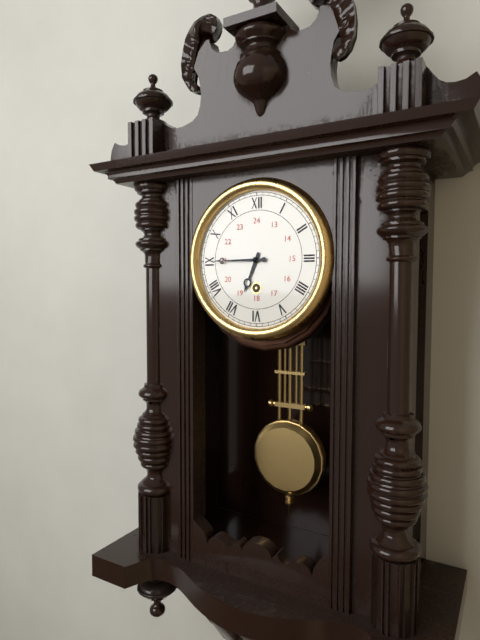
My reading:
6 h 45 min
